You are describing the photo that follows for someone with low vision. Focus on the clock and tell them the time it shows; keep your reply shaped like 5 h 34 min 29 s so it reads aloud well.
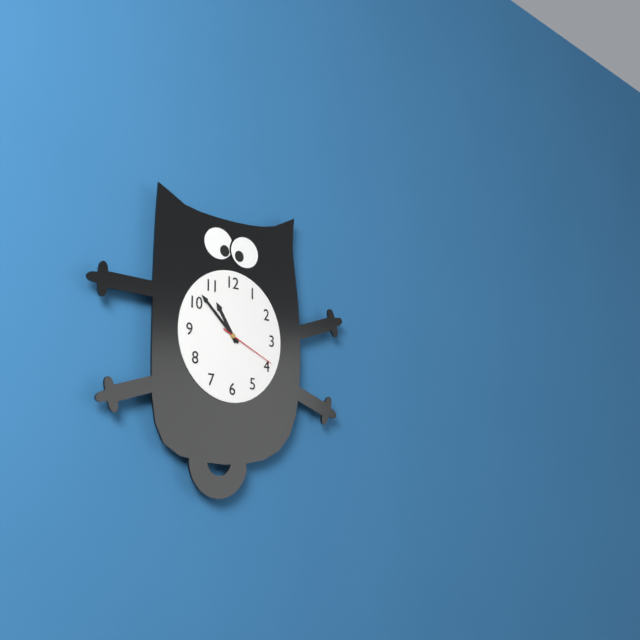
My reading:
10 h 52 min 19 s
